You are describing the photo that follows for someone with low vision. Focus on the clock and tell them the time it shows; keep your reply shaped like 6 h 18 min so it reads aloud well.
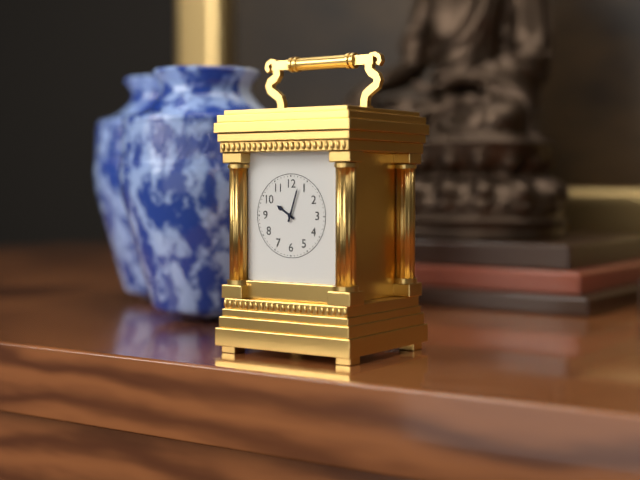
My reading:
10 h 03 min
